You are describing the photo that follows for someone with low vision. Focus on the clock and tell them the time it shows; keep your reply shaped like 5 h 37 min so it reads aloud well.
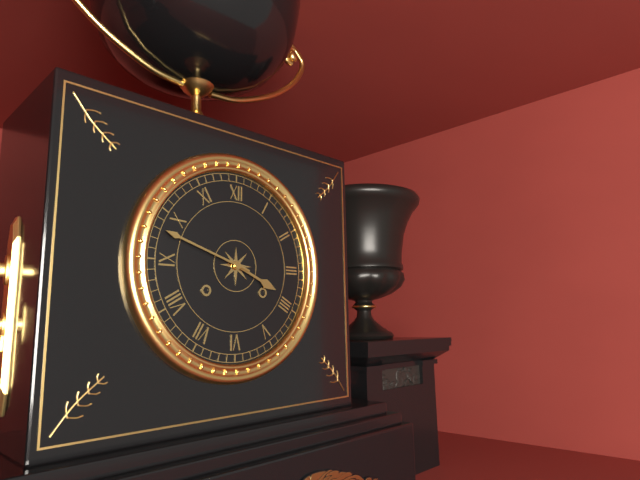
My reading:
3 h 48 min
